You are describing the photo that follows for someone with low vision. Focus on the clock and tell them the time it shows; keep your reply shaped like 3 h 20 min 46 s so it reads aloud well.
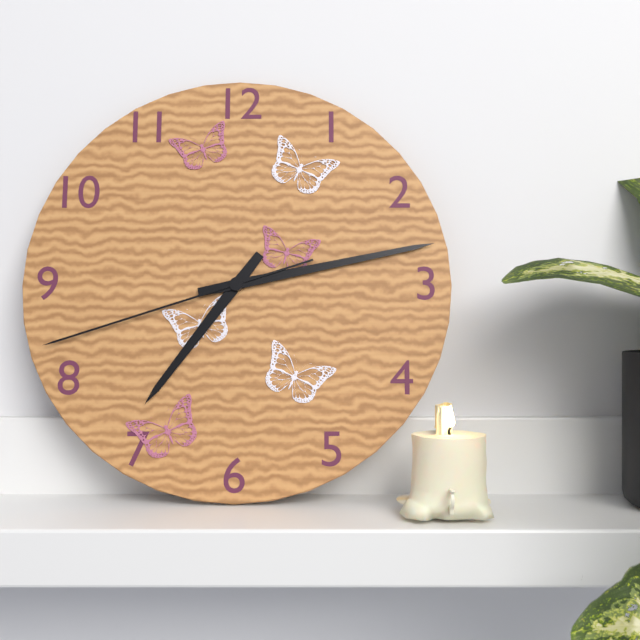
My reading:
7 h 13 min 42 s
